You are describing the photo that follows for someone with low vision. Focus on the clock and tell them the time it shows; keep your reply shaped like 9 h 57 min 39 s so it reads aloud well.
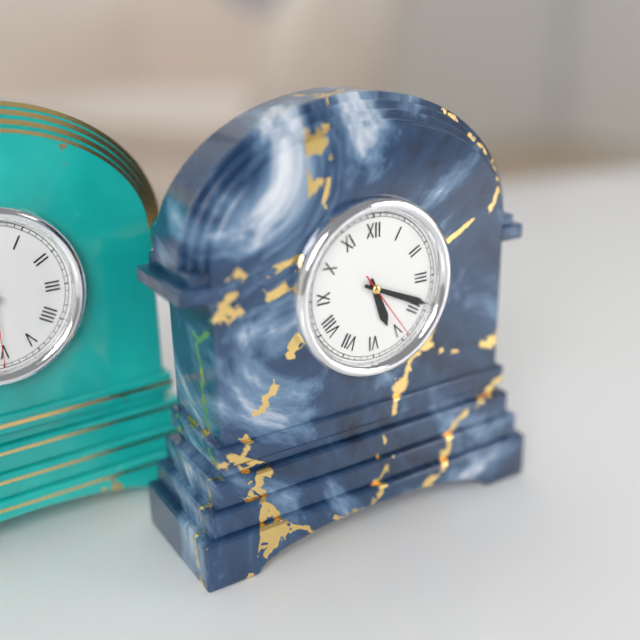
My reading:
5 h 19 min 24 s
